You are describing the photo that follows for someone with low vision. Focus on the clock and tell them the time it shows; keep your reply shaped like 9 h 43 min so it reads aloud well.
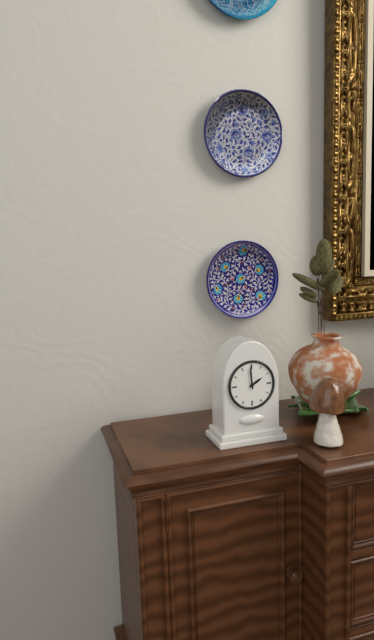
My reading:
1 h 59 min
